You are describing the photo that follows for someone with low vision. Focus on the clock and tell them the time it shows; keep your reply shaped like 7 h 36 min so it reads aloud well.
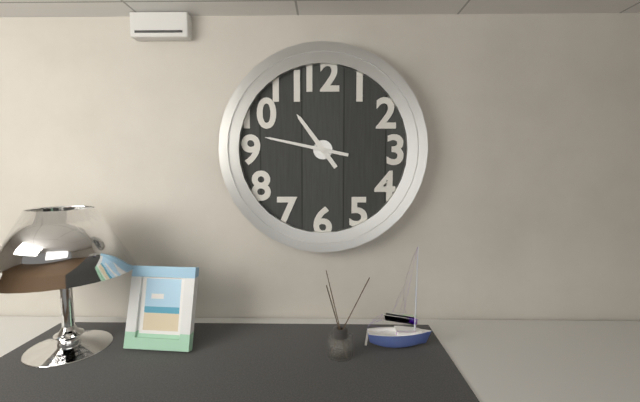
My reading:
10 h 47 min
